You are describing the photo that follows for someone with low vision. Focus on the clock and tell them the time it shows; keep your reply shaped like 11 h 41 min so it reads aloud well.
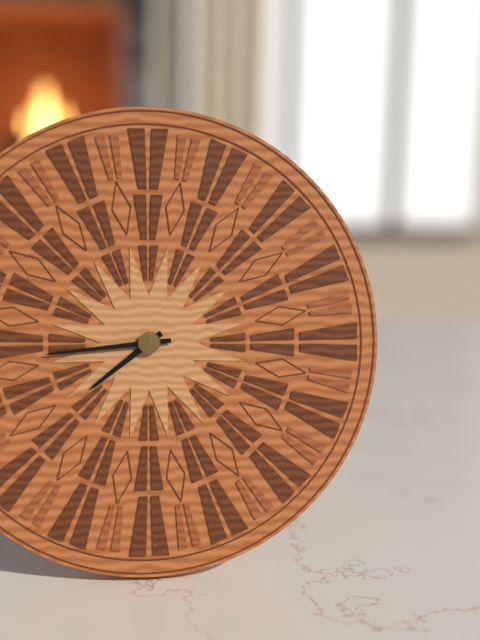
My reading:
7 h 44 min
